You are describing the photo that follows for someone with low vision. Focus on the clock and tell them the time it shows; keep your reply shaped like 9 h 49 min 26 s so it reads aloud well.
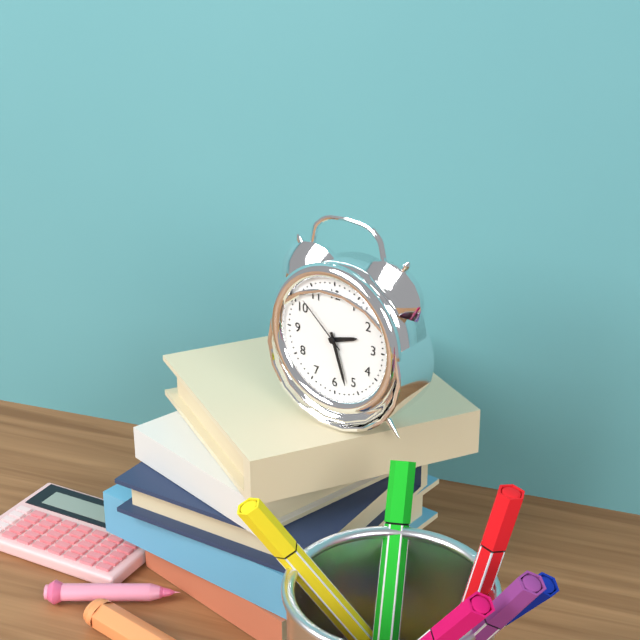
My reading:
2 h 27 min 52 s
